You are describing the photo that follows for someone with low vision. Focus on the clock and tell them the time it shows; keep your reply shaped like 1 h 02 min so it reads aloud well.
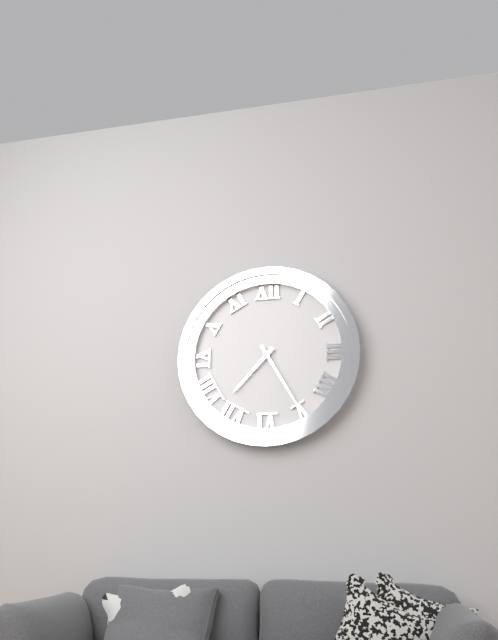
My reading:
7 h 25 min
